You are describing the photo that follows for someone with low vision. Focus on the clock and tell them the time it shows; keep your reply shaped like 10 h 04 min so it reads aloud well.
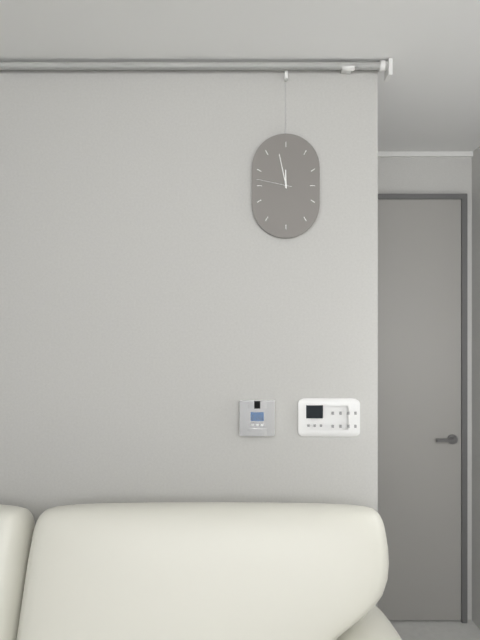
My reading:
11 h 58 min
